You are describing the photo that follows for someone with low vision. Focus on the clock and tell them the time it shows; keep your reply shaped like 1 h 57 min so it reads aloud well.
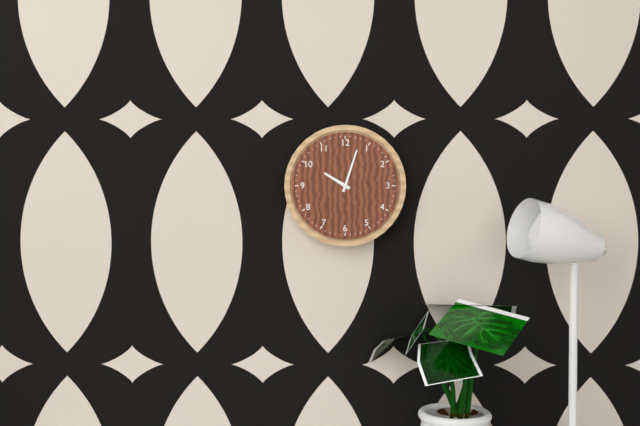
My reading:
10 h 03 min
